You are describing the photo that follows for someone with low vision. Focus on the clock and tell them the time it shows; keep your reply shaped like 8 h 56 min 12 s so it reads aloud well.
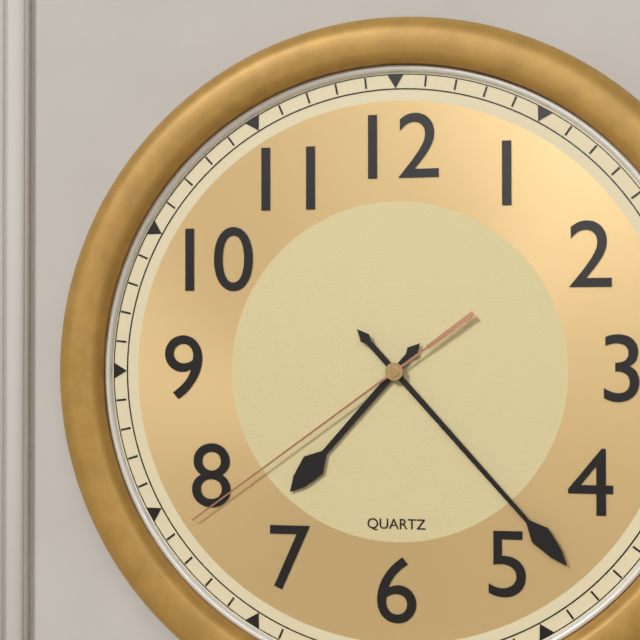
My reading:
7 h 23 min 39 s
